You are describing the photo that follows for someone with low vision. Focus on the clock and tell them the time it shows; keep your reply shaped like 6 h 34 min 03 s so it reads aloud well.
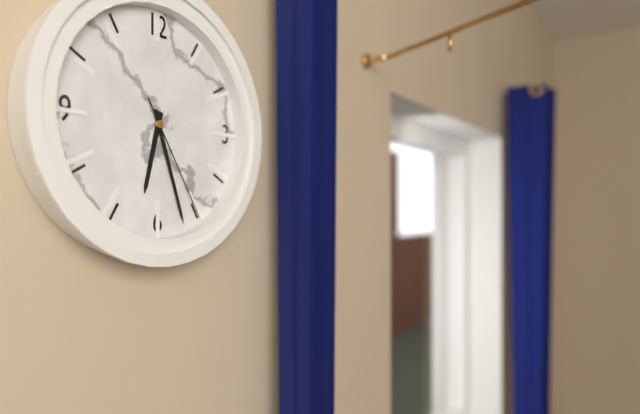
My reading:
6 h 27 min 25 s
